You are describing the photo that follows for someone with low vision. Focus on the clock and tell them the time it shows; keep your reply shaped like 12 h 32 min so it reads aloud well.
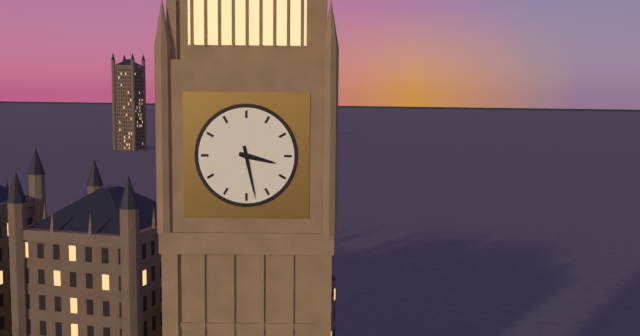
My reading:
3 h 28 min
